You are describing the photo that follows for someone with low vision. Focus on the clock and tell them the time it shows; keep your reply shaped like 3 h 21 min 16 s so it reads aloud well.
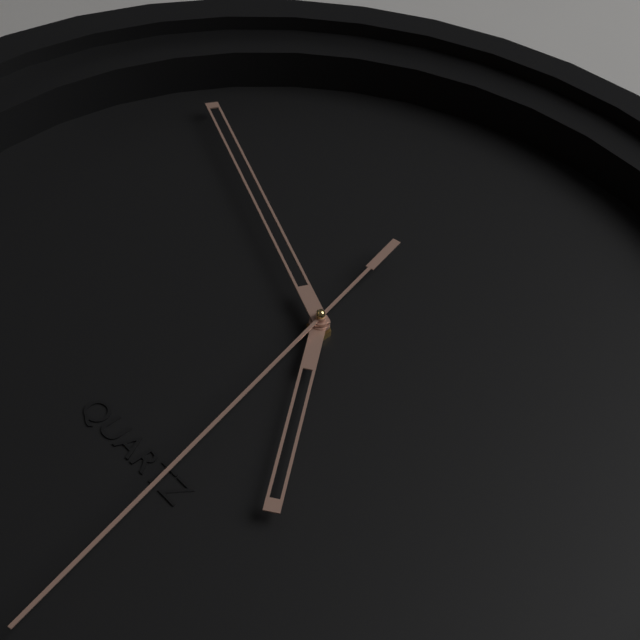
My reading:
4 h 49 min 28 s
